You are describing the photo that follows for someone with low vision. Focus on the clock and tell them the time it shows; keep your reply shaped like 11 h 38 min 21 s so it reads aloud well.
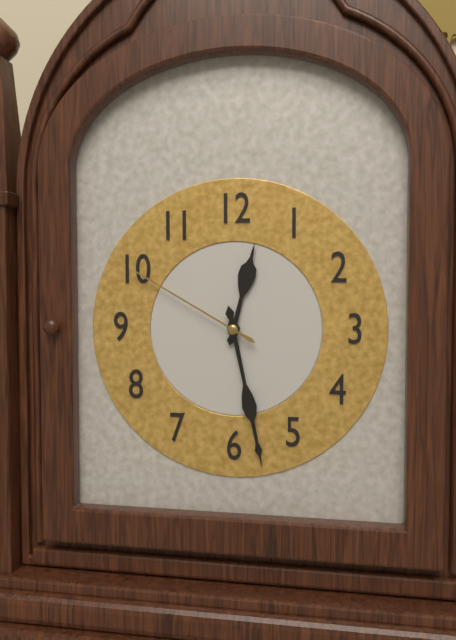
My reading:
12 h 28 min 50 s
